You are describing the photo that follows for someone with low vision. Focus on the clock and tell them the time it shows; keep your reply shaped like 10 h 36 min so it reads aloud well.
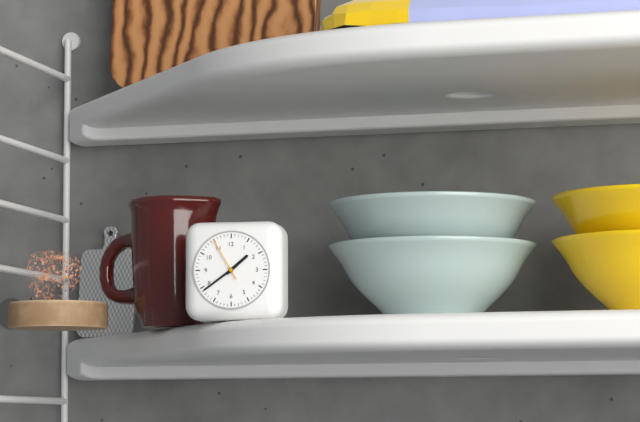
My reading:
1 h 39 min
